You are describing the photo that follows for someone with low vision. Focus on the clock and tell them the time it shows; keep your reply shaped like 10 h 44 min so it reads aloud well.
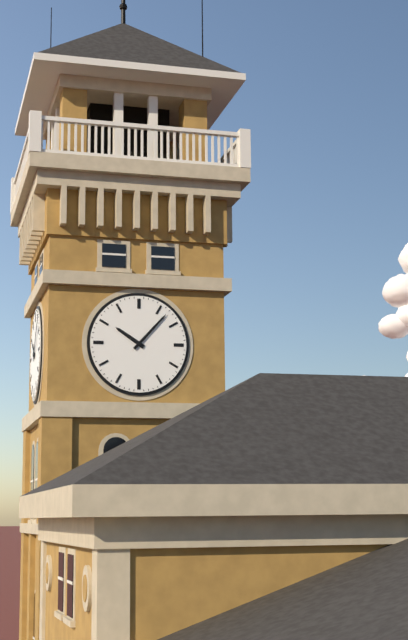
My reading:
10 h 07 min
